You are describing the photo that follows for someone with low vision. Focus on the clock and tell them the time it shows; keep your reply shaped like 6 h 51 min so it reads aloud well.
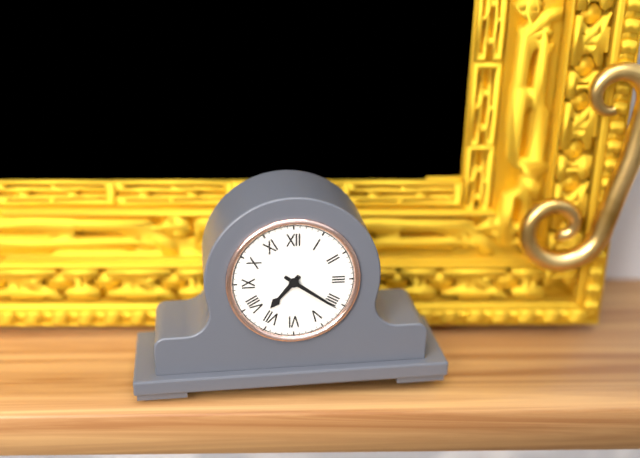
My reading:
7 h 21 min
